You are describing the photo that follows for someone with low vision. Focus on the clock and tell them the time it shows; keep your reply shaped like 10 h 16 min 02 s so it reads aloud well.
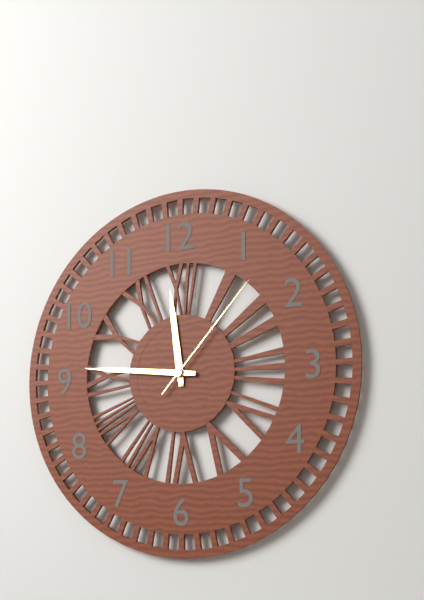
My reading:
11 h 46 min 07 s
